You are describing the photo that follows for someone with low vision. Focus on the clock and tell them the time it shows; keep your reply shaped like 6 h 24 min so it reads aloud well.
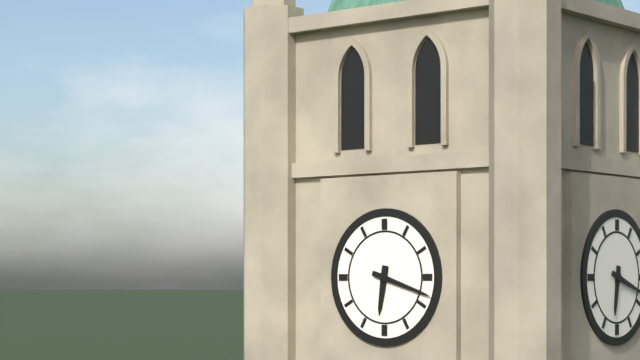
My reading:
6 h 18 min
